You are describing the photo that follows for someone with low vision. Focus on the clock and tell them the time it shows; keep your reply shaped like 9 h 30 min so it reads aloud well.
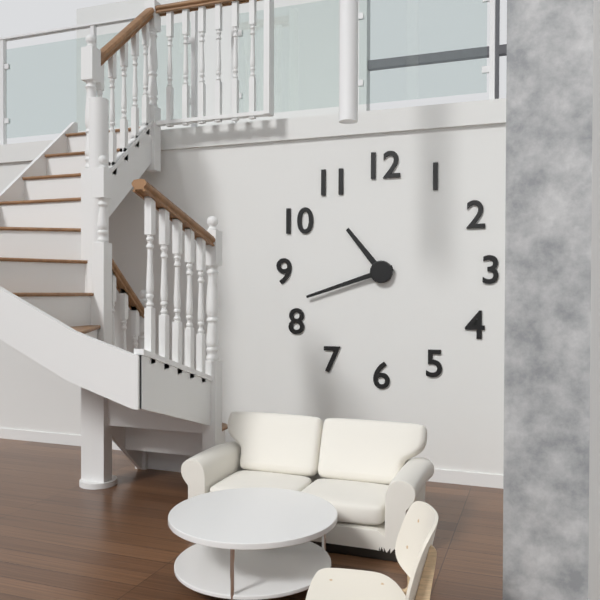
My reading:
10 h 42 min
